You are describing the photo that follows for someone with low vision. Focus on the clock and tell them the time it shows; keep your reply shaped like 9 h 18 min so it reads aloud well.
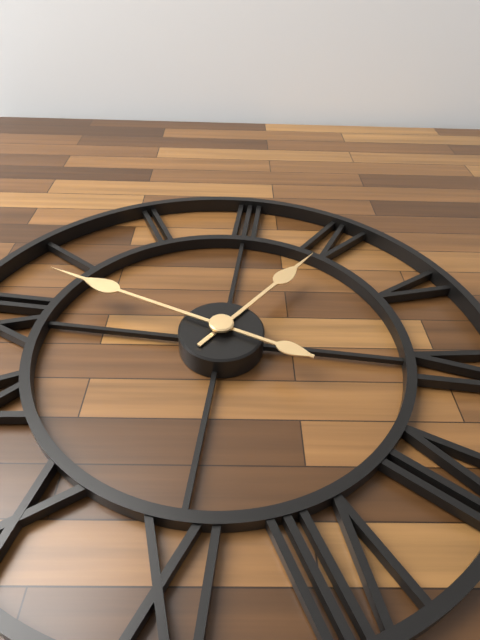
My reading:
4 h 03 min
